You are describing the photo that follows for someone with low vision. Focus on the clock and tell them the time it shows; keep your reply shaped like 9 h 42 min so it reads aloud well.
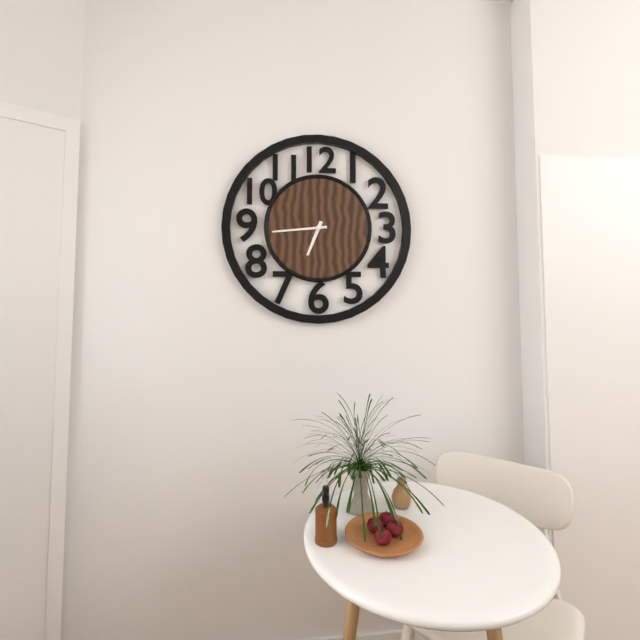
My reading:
6 h 44 min
